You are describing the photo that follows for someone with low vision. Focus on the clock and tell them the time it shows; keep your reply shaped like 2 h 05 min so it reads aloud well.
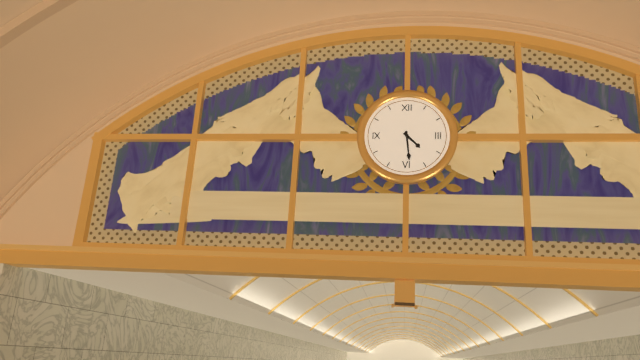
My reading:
4 h 29 min
